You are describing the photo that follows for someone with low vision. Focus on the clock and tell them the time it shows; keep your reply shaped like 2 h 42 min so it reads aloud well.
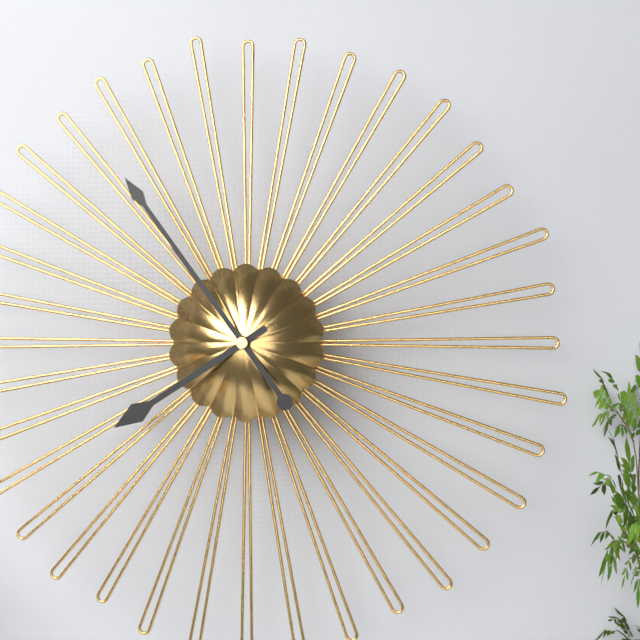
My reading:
7 h 54 min
